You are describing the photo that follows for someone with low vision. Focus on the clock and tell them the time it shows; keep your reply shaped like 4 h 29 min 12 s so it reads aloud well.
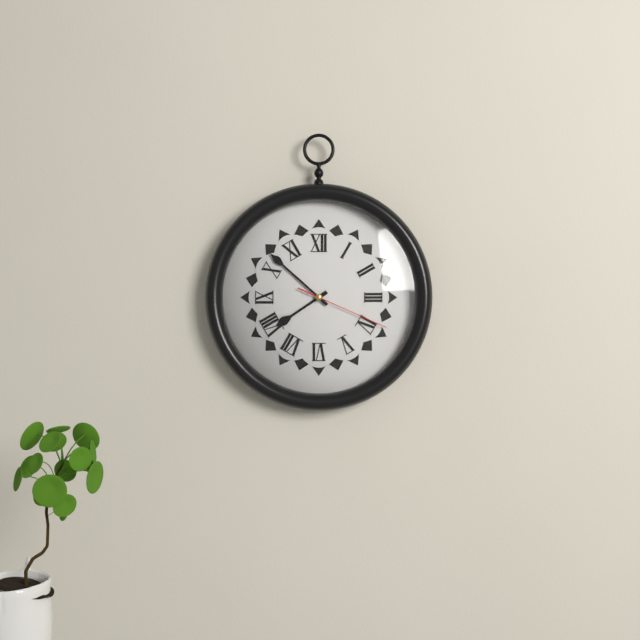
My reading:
7 h 52 min 19 s
